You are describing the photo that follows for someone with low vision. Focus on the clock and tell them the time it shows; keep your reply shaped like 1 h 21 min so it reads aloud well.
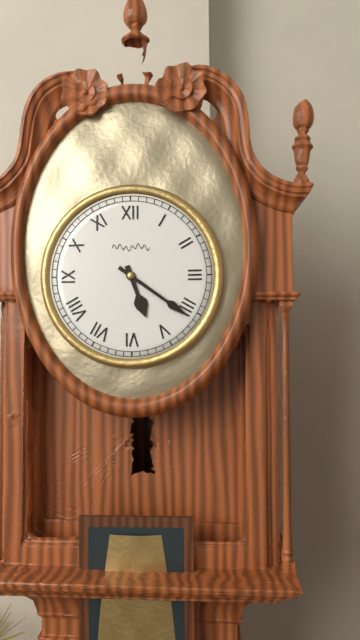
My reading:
5 h 21 min
